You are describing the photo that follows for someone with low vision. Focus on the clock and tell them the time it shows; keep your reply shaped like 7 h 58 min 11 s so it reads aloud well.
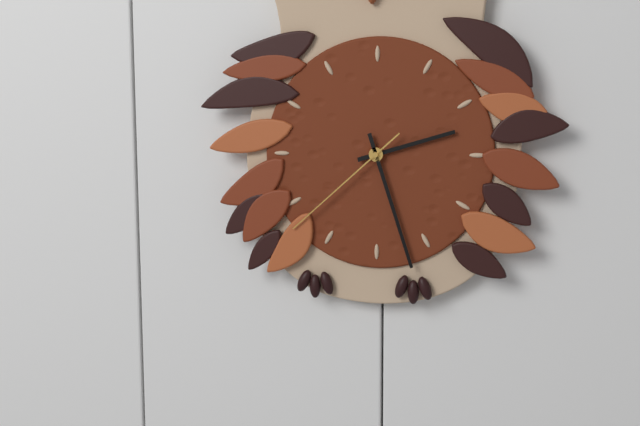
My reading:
2 h 27 min 38 s
